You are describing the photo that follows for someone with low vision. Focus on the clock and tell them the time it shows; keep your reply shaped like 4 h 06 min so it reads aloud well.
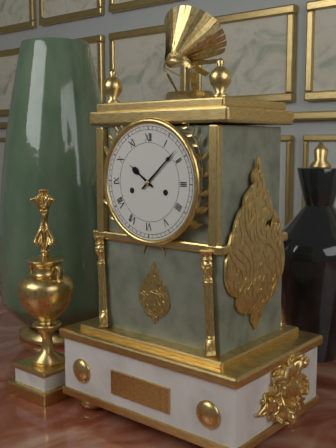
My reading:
10 h 08 min
